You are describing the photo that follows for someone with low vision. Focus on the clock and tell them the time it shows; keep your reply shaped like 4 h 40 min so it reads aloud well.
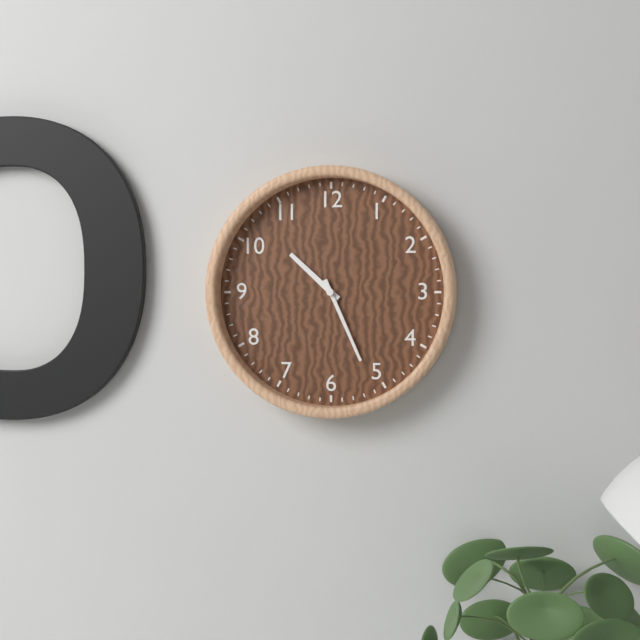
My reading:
10 h 26 min
